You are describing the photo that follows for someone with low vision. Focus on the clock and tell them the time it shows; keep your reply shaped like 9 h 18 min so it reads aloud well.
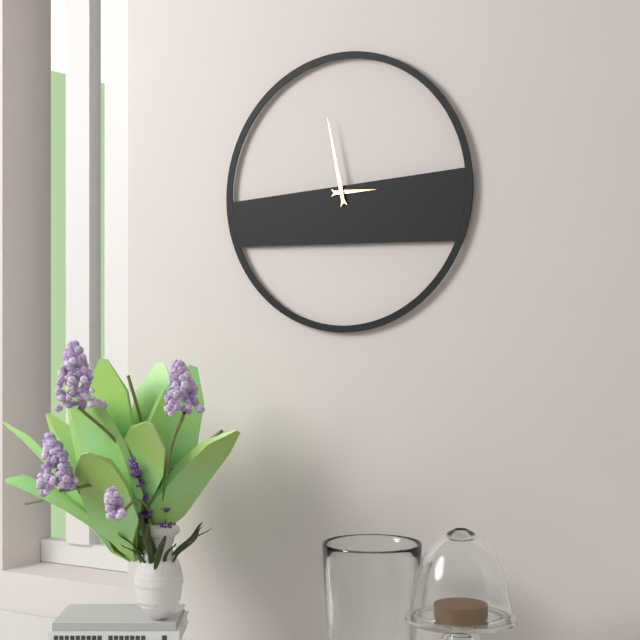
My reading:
2 h 58 min
